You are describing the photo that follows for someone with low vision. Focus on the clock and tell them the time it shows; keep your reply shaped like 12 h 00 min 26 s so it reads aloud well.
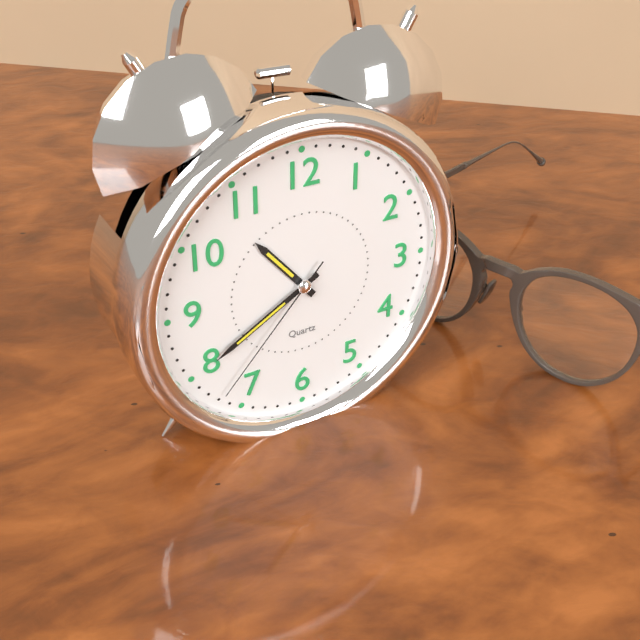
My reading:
10 h 40 min 37 s
